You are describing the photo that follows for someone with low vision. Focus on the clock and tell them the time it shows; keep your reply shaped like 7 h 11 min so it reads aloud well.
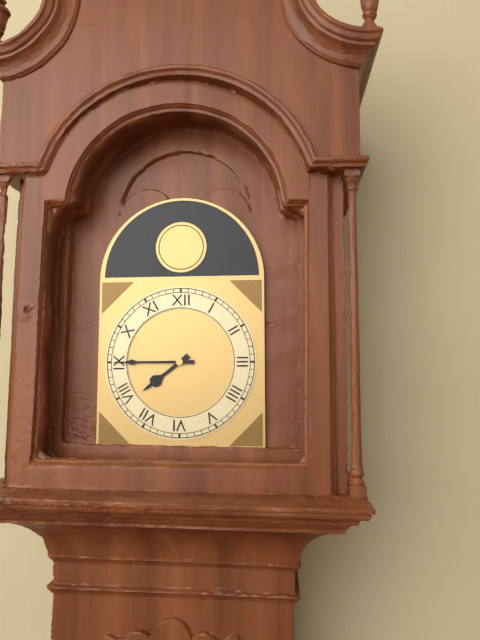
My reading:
7 h 45 min
